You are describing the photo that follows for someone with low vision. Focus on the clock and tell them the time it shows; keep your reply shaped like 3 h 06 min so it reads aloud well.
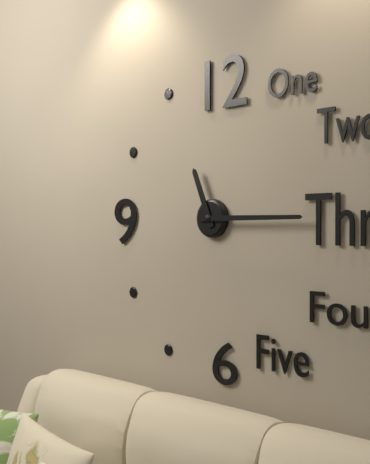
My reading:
11 h 15 min
